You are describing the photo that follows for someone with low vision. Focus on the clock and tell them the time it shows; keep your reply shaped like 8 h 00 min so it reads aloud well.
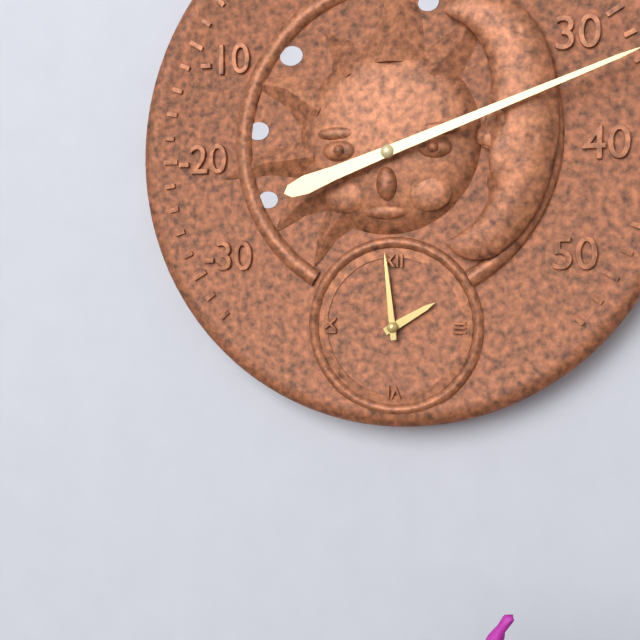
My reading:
1 h 59 min
